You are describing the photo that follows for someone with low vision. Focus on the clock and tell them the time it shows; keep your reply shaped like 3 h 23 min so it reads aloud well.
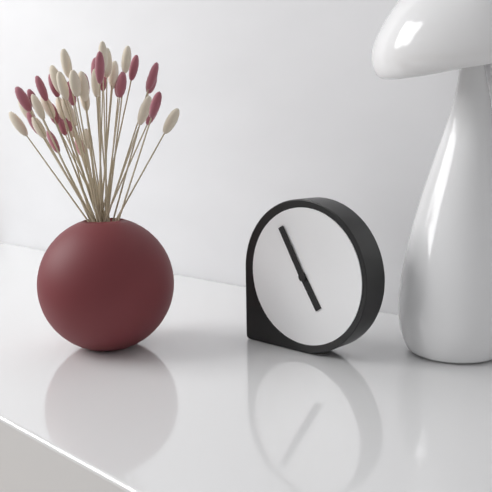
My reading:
4 h 55 min
